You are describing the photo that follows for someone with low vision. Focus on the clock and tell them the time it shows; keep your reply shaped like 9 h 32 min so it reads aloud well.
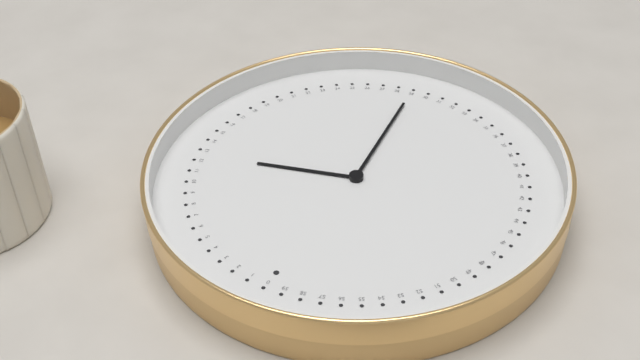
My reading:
2 h 29 min
